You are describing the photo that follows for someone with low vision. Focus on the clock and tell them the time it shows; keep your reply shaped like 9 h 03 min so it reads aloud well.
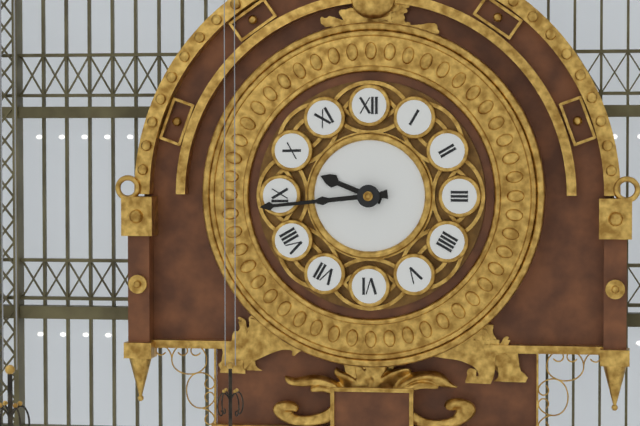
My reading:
9 h 44 min
